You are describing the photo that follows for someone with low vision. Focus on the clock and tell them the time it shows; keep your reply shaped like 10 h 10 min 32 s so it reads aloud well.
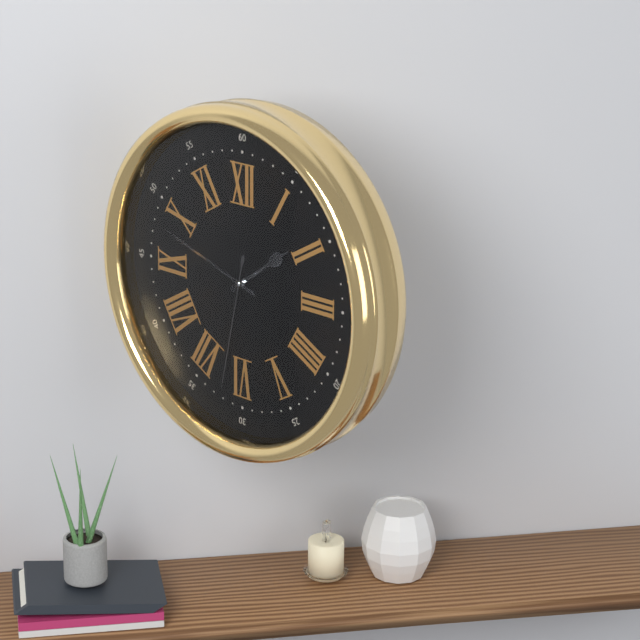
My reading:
1 h 48 min 32 s
